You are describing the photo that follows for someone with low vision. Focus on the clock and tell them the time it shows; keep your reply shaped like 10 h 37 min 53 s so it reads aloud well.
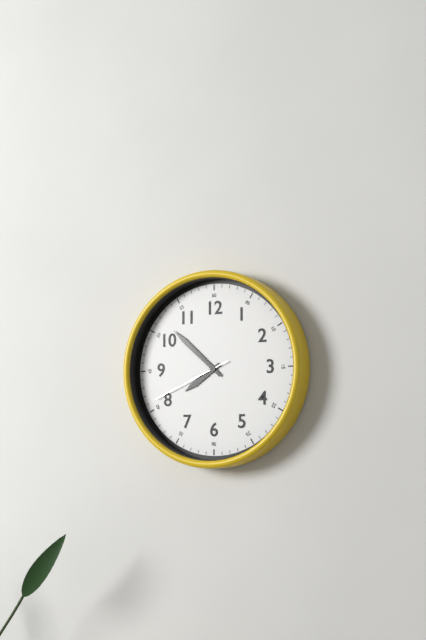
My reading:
7 h 52 min 41 s
